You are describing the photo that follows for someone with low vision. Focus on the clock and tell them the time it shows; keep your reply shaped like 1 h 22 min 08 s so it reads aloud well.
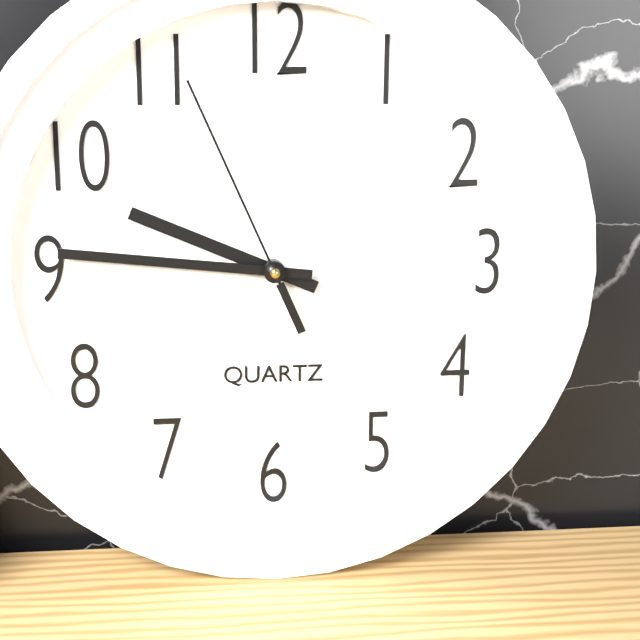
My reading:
9 h 46 min 56 s
